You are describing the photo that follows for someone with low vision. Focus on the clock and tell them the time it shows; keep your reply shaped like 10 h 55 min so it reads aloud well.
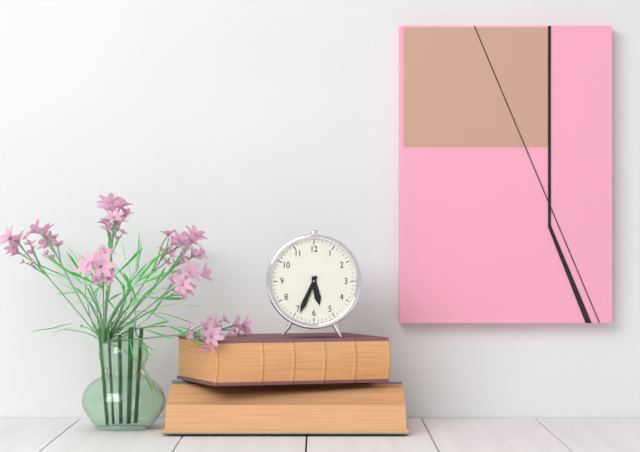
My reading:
5 h 34 min
